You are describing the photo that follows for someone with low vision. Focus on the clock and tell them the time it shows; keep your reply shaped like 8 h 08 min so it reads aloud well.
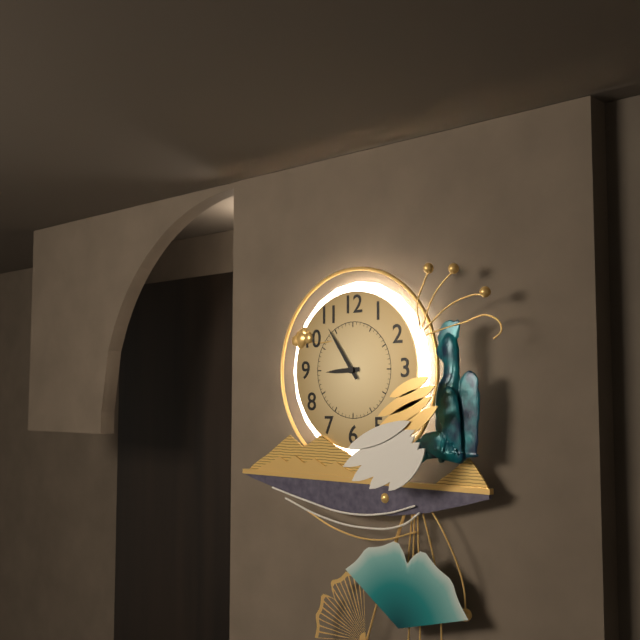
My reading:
8 h 54 min
